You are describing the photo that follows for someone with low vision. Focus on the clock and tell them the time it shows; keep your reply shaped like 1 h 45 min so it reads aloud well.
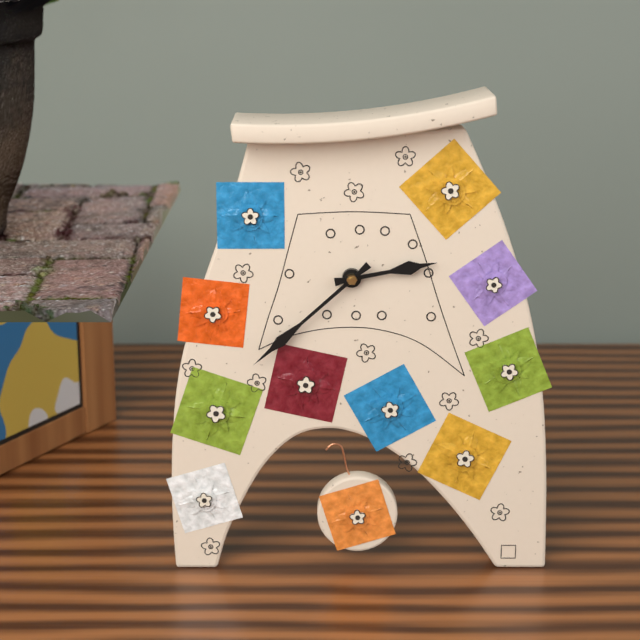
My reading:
2 h 38 min
